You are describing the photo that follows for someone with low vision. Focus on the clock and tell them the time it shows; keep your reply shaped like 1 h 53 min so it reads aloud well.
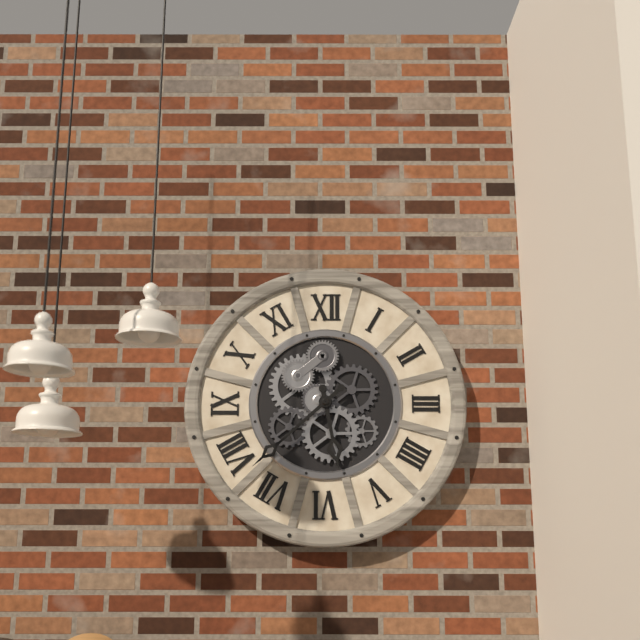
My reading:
5 h 38 min
